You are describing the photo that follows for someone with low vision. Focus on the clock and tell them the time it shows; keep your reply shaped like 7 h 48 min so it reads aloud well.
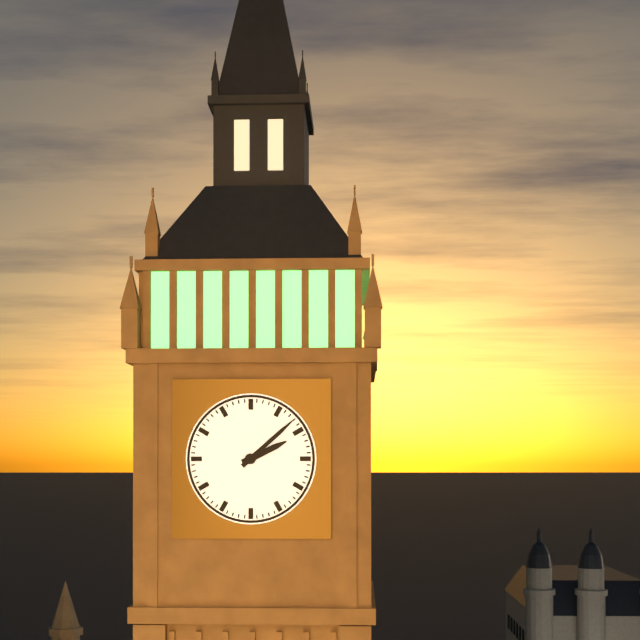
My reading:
2 h 08 min
